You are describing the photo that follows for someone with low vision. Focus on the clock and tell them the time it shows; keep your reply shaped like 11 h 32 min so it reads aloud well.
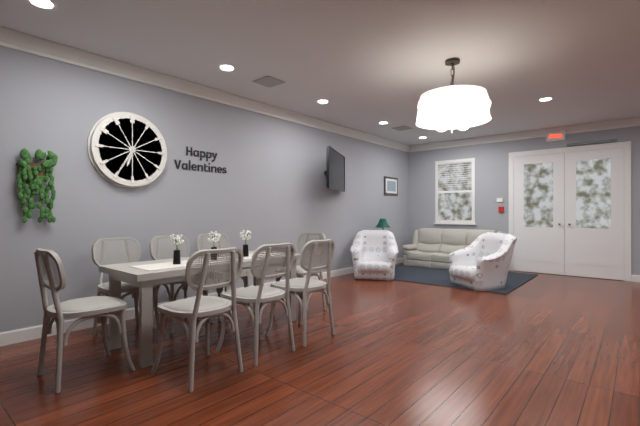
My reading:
6 h 35 min
